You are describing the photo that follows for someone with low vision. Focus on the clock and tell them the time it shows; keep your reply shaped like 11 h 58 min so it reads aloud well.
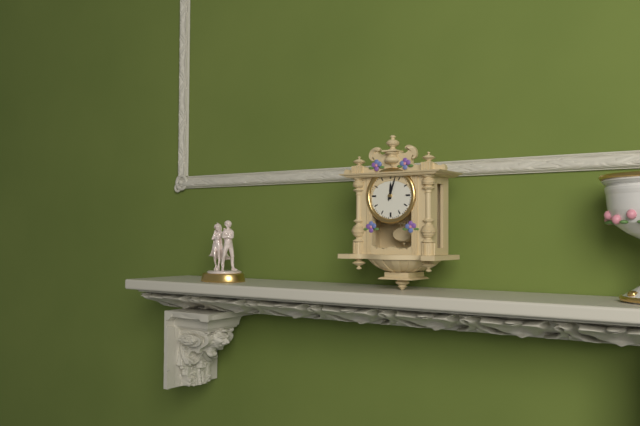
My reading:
12 h 03 min
